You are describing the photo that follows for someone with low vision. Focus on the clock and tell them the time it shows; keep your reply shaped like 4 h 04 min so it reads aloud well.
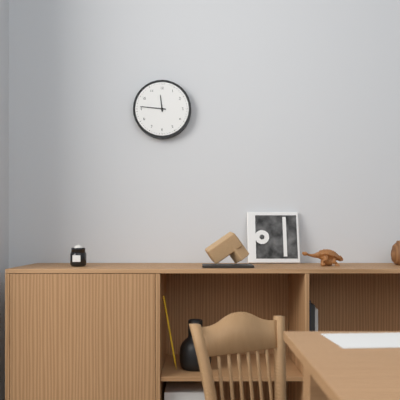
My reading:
11 h 46 min
